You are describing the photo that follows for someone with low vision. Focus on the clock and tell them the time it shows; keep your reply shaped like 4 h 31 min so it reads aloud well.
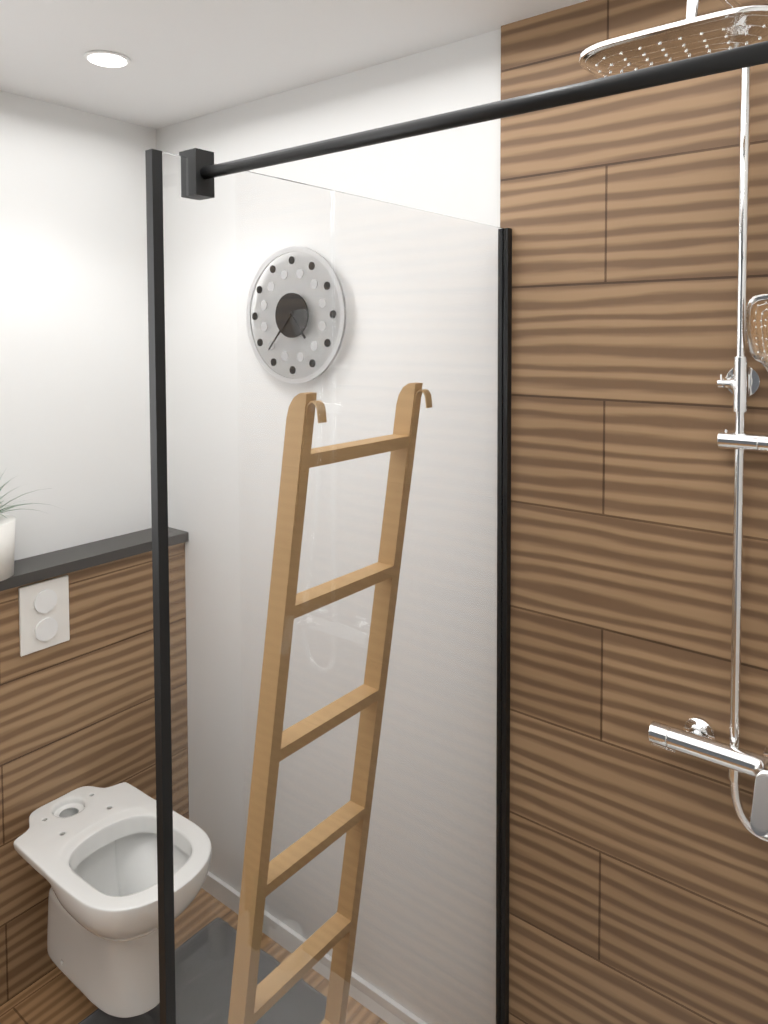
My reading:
4 h 37 min
